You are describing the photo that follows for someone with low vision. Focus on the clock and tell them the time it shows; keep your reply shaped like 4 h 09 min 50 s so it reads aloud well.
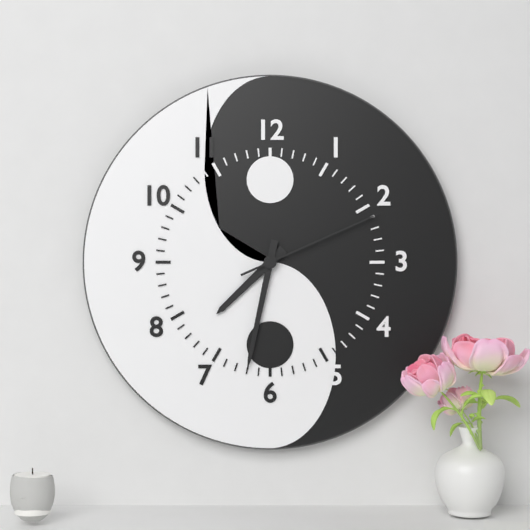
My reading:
7 h 32 min 11 s
